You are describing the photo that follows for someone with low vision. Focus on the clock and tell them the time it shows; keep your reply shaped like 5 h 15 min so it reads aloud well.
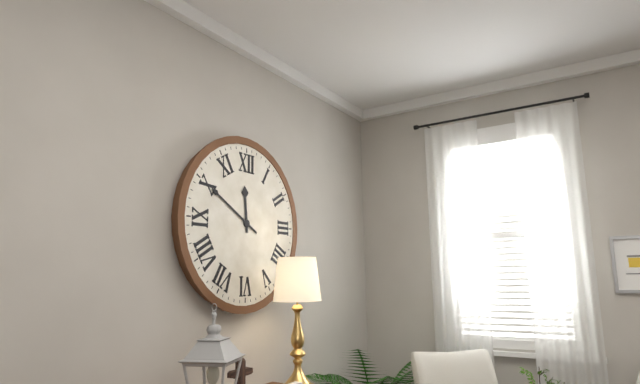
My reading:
11 h 50 min
